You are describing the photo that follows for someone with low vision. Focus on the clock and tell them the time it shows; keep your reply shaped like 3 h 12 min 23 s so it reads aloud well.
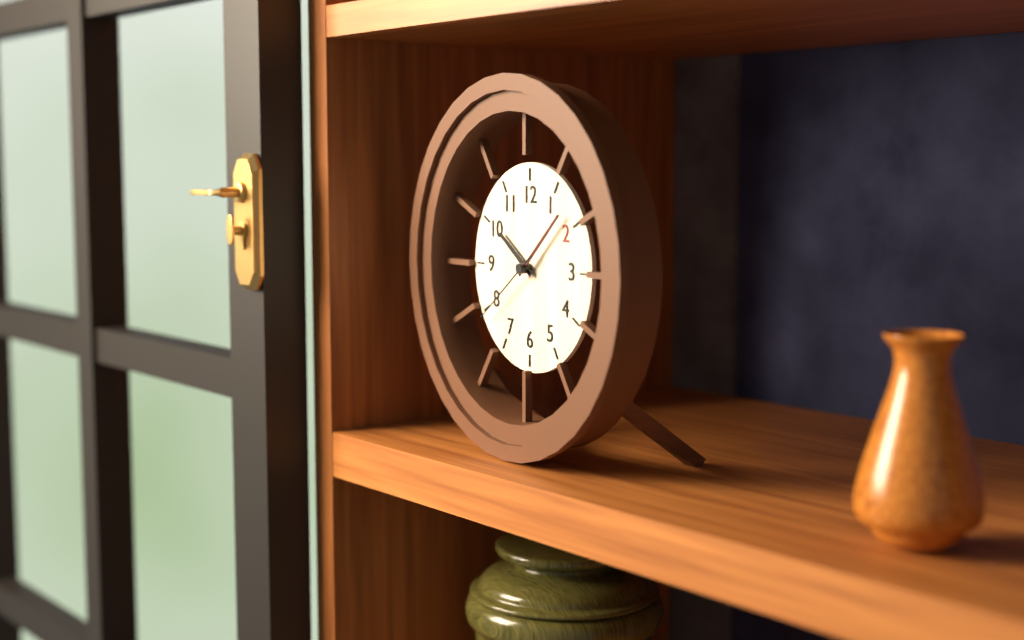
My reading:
10 h 08 min 39 s
